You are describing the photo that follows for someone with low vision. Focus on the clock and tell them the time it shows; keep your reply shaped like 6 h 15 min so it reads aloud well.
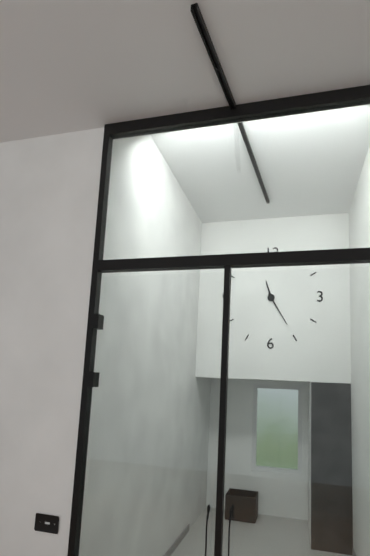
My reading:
11 h 25 min
